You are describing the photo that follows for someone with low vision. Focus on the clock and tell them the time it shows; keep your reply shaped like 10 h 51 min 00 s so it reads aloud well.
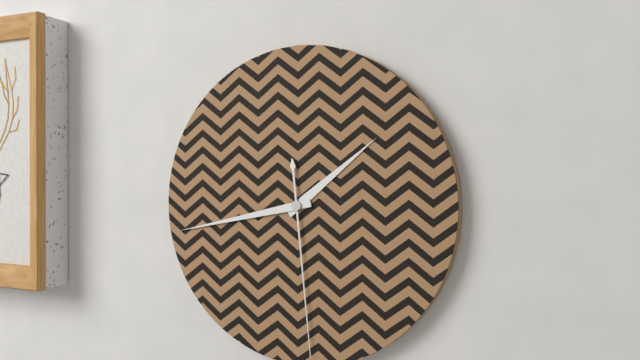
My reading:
1 h 43 min 29 s
